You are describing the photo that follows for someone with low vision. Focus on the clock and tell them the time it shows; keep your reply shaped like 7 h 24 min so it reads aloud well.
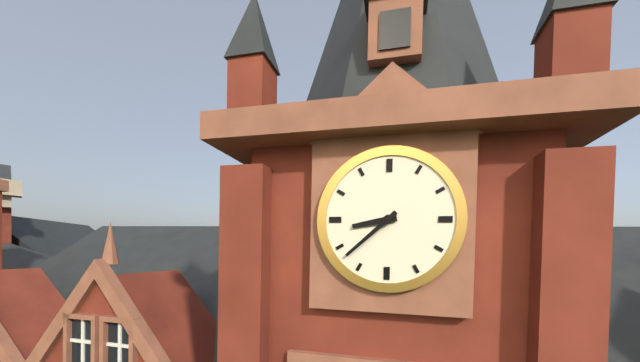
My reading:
8 h 38 min
